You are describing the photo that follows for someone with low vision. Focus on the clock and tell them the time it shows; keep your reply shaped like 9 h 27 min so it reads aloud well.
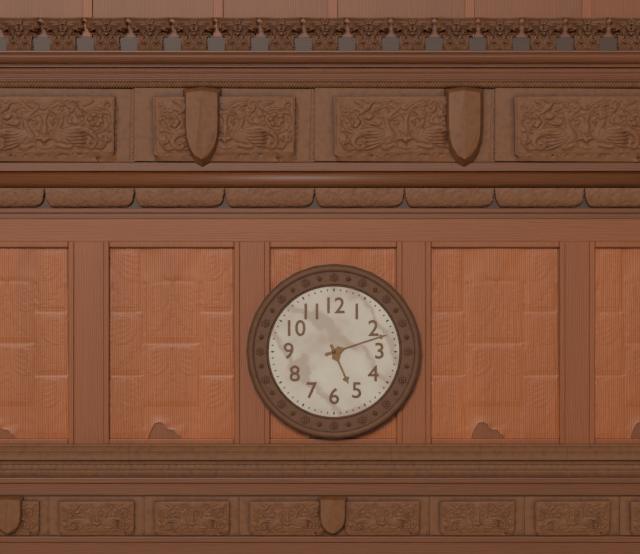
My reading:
5 h 12 min
